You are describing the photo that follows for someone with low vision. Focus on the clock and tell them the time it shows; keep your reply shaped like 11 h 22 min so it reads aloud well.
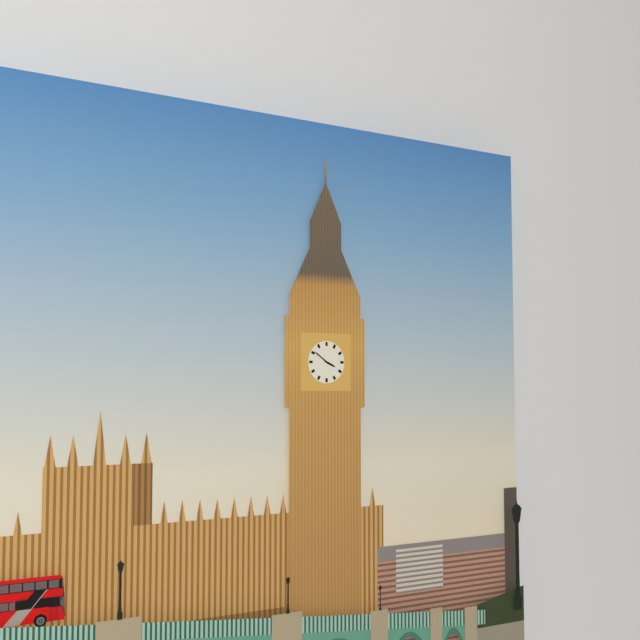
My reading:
3 h 51 min
